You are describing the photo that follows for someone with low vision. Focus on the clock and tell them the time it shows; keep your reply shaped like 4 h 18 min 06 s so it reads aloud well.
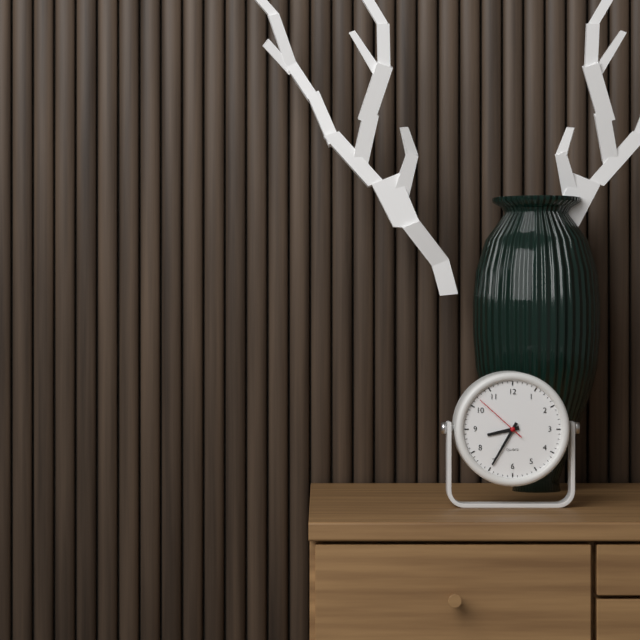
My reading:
8 h 35 min 52 s
